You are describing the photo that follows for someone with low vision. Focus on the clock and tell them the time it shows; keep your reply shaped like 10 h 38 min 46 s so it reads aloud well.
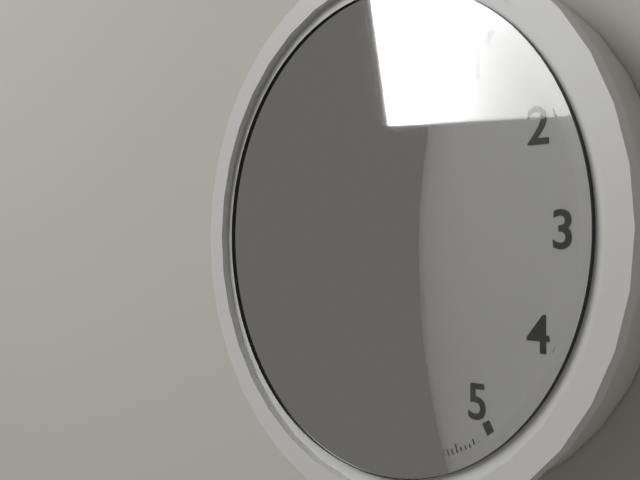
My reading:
6 h 30 min 57 s
